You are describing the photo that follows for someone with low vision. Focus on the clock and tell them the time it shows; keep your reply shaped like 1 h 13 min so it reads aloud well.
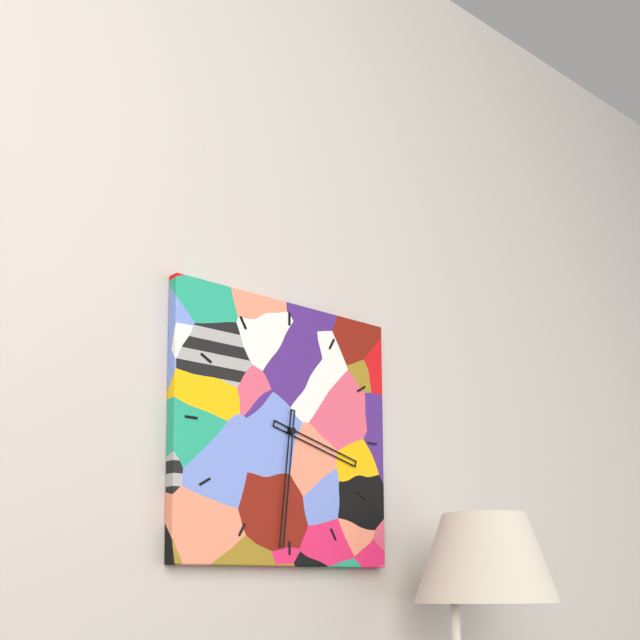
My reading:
3 h 31 min
